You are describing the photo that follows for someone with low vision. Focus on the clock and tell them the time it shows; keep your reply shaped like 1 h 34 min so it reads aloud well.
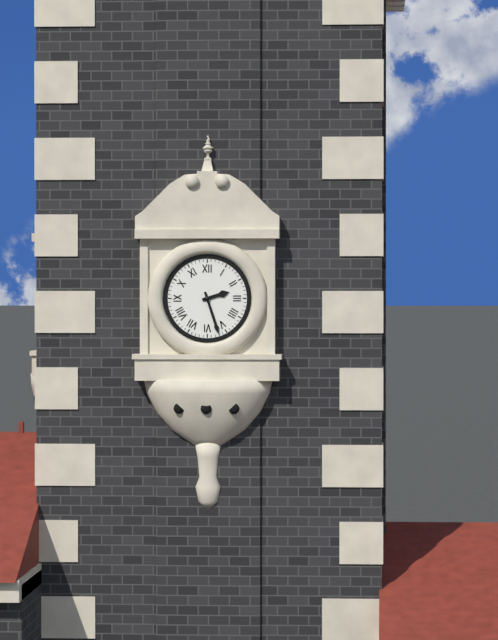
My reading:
2 h 27 min
